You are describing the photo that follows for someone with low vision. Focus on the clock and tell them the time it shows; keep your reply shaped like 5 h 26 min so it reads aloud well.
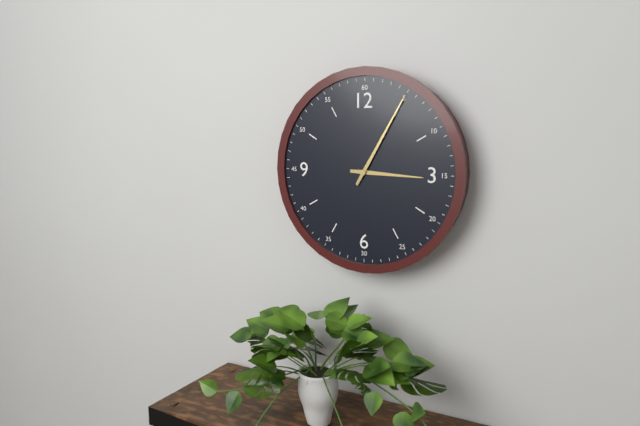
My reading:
3 h 05 min
